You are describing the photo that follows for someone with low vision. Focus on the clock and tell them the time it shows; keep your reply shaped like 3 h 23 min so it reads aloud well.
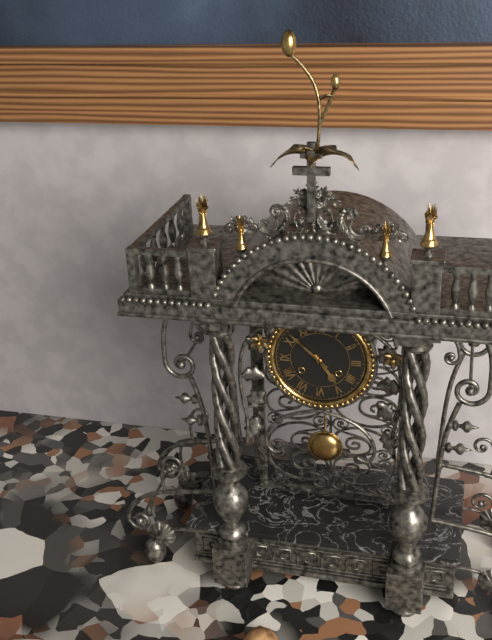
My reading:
4 h 52 min
